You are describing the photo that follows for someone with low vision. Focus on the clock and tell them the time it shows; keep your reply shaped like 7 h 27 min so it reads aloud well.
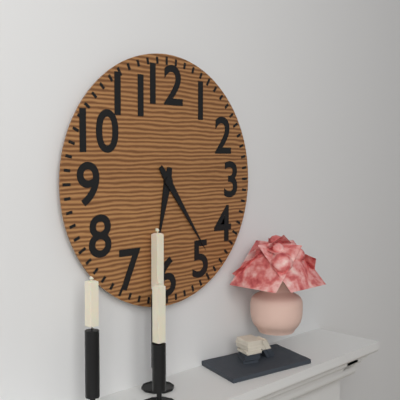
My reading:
6 h 24 min
